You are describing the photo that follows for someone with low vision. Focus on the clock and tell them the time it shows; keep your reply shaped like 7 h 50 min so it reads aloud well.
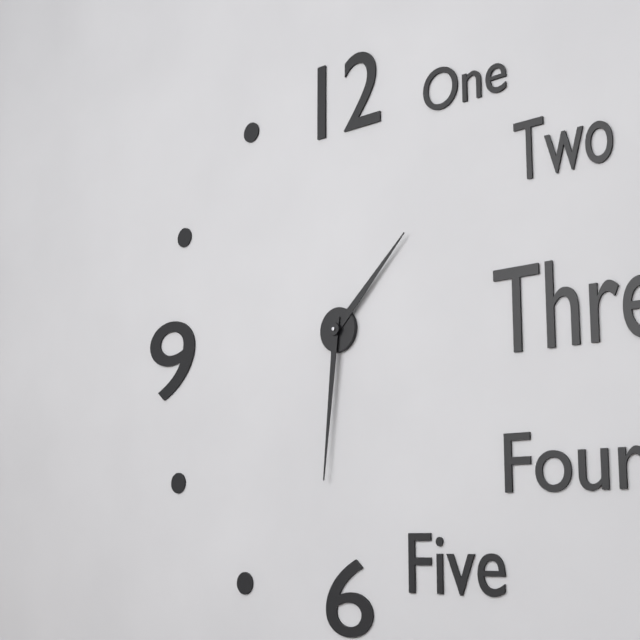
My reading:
1 h 31 min
